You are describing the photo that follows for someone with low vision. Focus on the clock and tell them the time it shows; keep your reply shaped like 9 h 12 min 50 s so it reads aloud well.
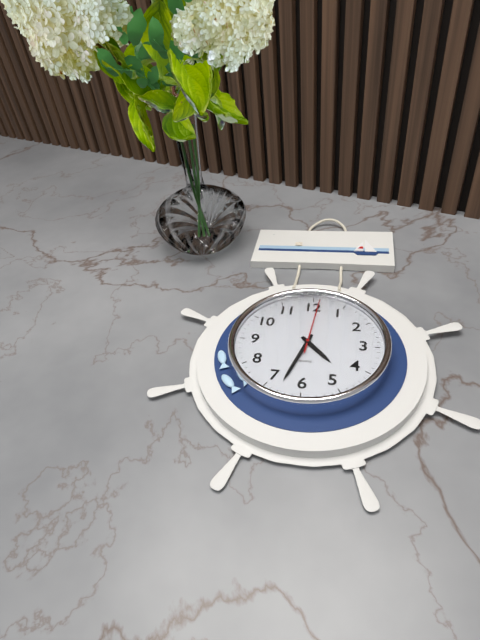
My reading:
4 h 33 min 01 s
